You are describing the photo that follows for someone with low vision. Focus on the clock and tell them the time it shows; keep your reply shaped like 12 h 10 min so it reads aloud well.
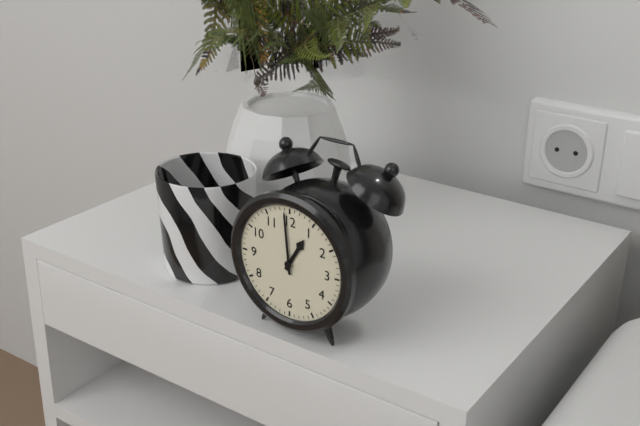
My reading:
12 h 59 min
